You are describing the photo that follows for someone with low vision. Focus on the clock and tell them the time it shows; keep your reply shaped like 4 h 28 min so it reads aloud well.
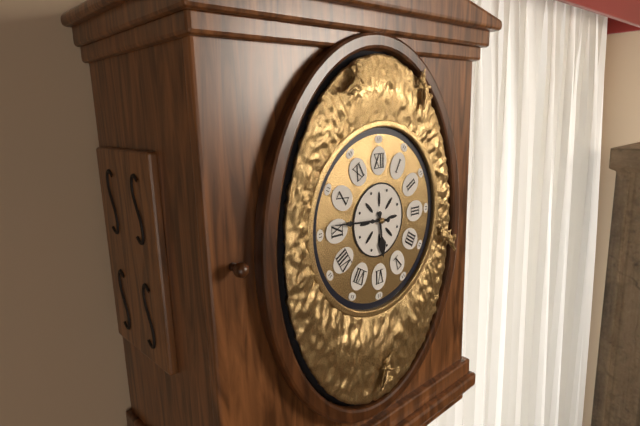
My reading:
5 h 46 min
